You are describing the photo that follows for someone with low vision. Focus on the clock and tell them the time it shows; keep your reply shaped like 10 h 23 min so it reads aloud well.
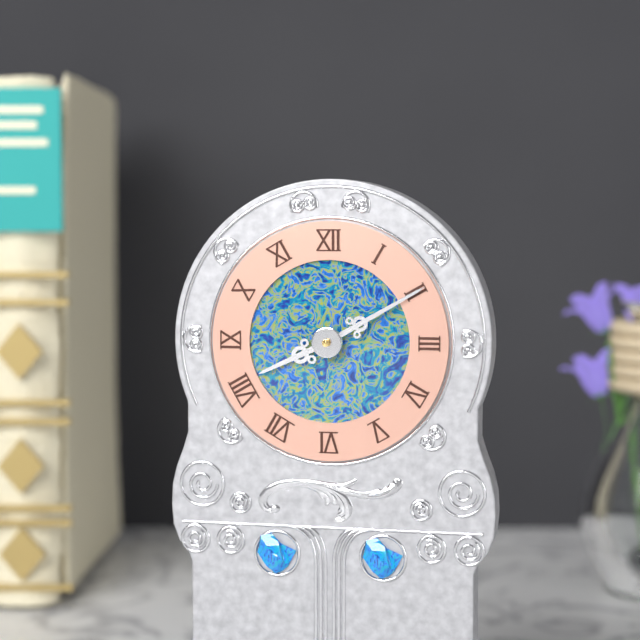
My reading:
8 h 10 min
